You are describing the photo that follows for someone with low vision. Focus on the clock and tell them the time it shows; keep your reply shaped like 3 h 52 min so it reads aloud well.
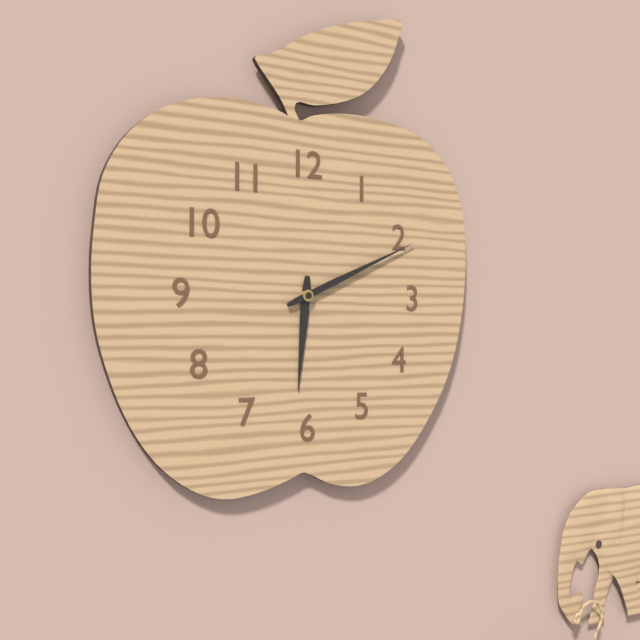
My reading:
6 h 11 min
